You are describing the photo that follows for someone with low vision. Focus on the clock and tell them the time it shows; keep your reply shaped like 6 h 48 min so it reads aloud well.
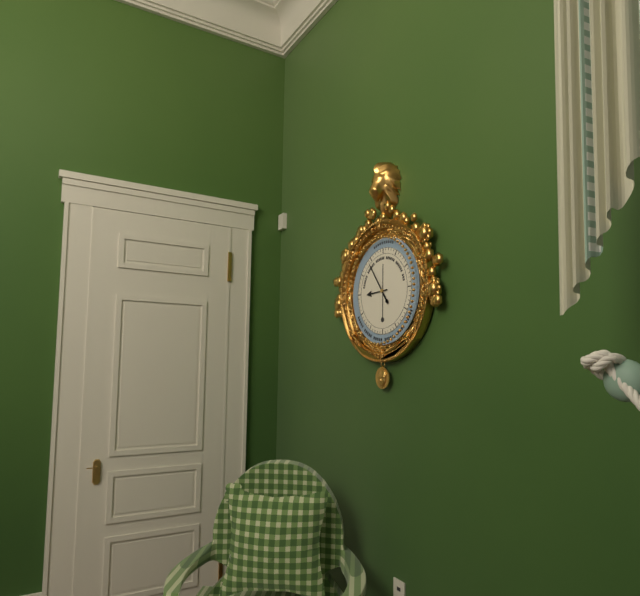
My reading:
8 h 54 min
